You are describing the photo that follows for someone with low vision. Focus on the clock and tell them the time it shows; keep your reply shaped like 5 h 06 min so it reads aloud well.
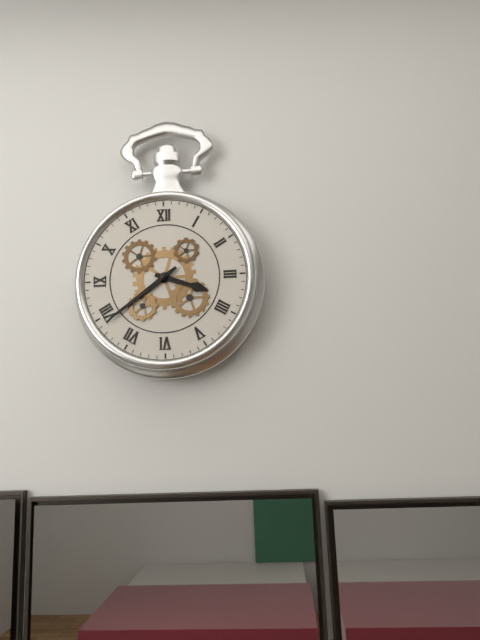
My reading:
3 h 39 min
